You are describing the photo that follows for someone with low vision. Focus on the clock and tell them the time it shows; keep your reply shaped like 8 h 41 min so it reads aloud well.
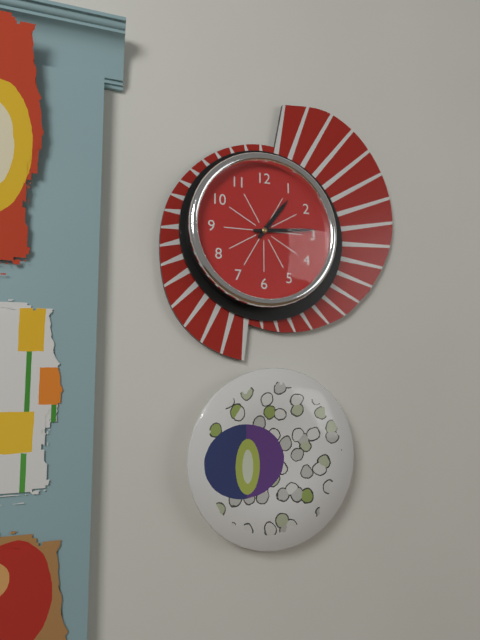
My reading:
1 h 14 min
